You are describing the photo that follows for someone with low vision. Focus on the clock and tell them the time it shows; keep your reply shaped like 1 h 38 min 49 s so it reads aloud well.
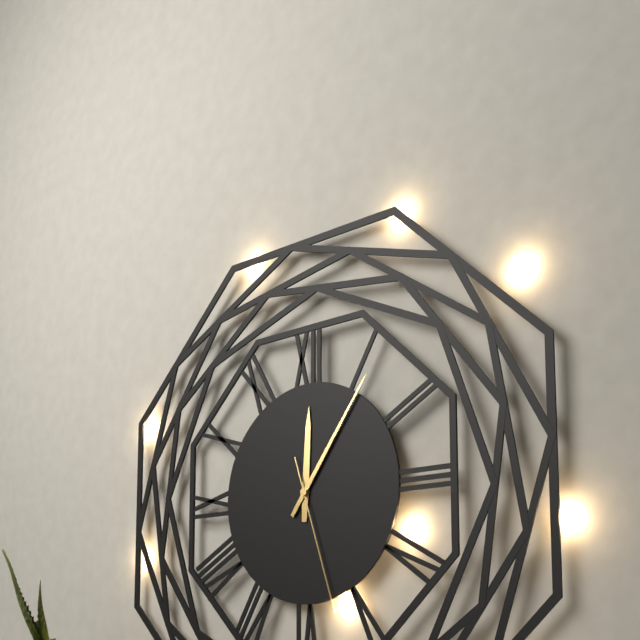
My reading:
12 h 06 min 27 s
